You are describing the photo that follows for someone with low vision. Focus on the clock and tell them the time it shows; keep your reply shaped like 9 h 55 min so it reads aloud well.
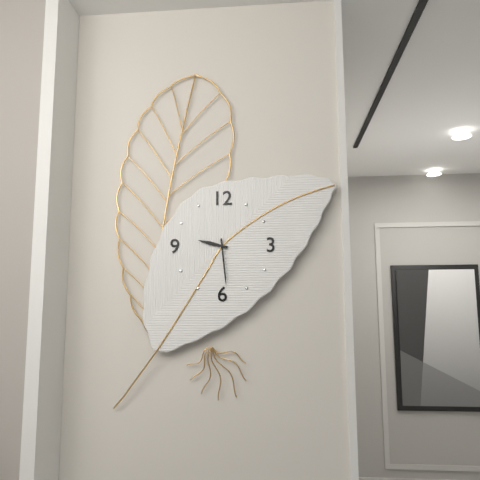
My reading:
9 h 29 min
